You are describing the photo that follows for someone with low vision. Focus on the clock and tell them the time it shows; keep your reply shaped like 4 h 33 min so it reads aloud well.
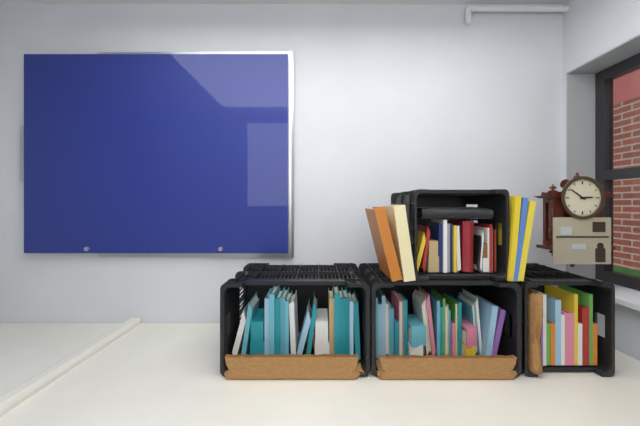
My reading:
2 h 51 min
